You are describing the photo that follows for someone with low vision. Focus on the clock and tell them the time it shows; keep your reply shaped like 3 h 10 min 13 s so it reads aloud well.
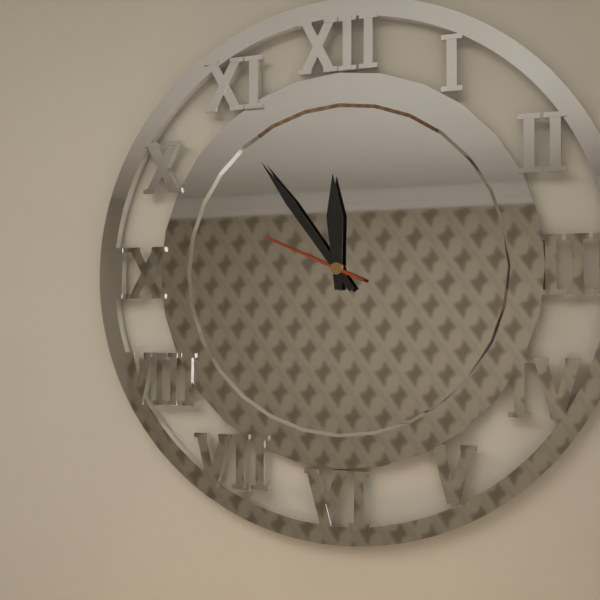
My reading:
11 h 54 min 49 s
